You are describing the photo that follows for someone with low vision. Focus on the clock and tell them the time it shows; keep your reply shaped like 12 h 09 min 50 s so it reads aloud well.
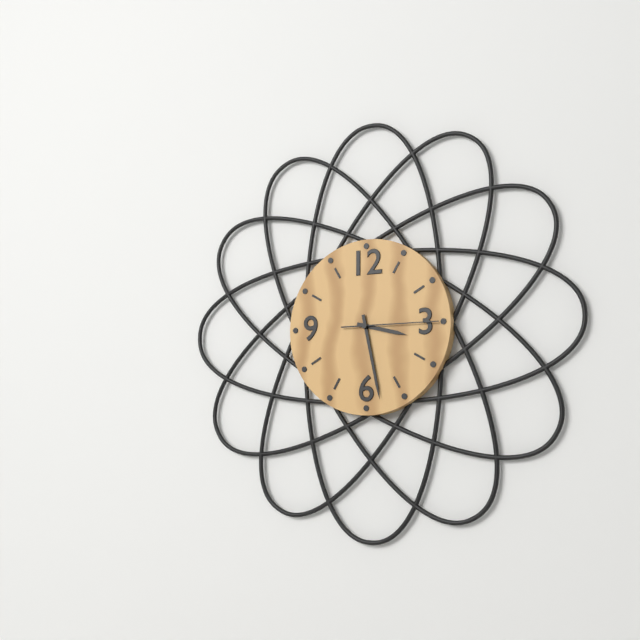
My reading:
3 h 28 min 15 s
